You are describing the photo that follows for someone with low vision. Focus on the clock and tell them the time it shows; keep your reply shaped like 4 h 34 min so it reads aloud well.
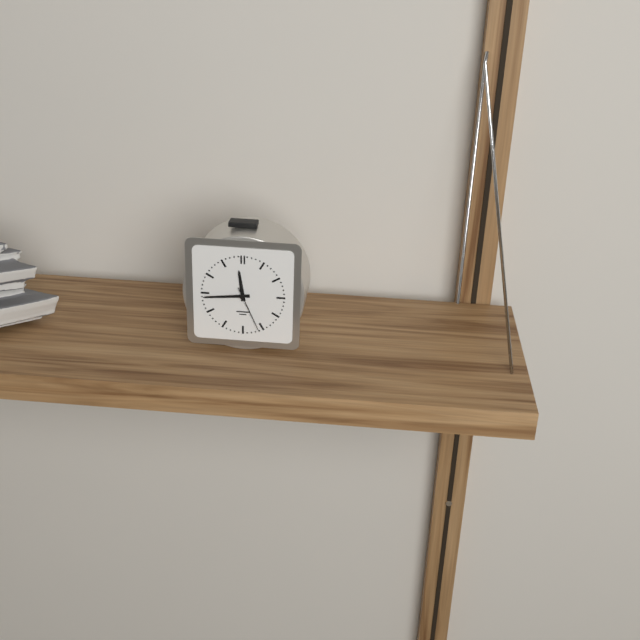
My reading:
11 h 44 min
